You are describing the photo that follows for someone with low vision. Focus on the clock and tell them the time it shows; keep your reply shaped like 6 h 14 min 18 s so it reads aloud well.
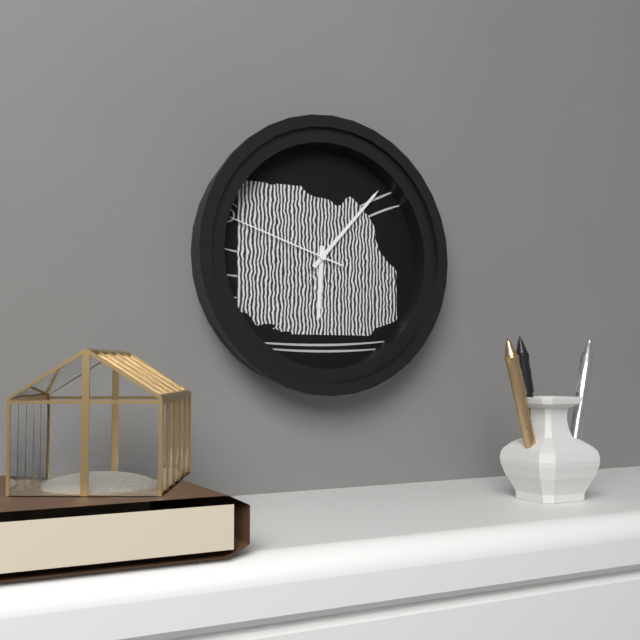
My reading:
6 h 07 min 48 s
